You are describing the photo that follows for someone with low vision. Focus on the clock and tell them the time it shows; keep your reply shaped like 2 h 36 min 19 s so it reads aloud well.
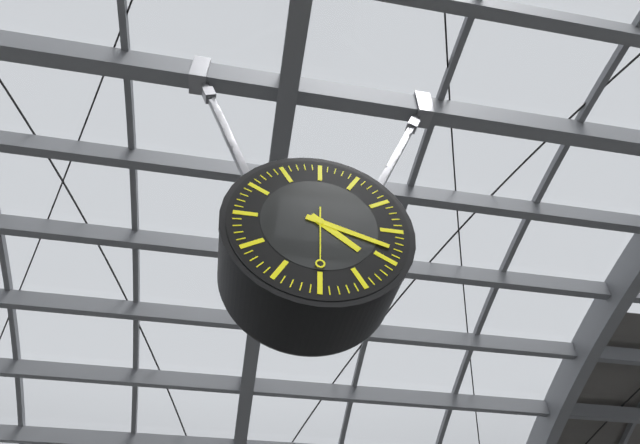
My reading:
4 h 18 min 30 s
